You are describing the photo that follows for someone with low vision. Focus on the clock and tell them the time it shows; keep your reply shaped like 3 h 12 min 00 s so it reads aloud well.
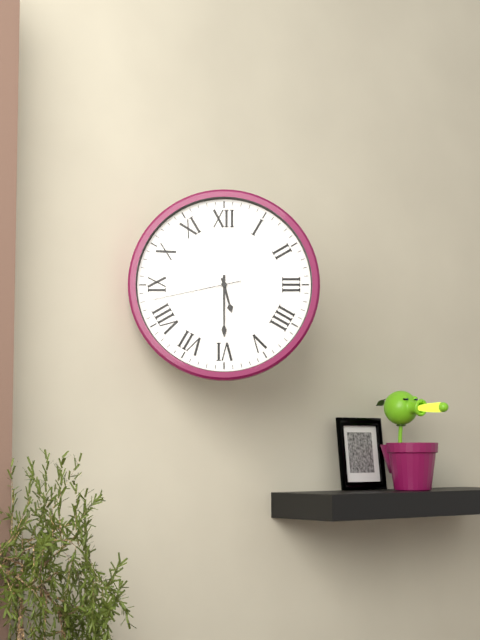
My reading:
5 h 30 min 43 s
